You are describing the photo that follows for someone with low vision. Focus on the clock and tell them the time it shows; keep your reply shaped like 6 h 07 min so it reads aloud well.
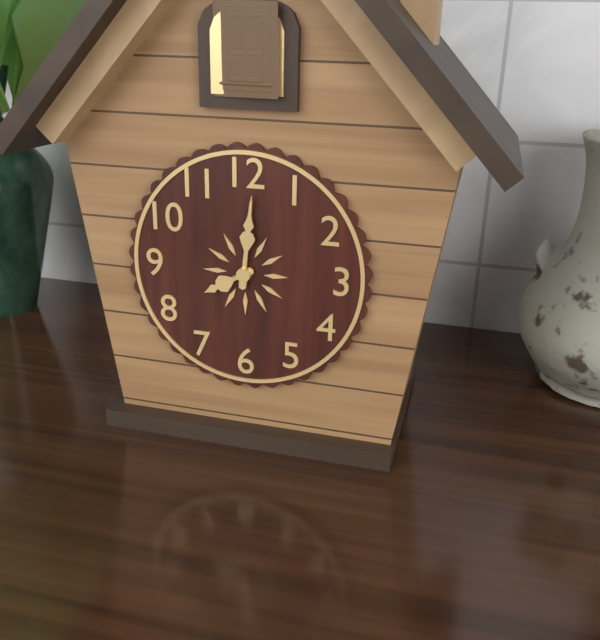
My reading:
8 h 01 min
